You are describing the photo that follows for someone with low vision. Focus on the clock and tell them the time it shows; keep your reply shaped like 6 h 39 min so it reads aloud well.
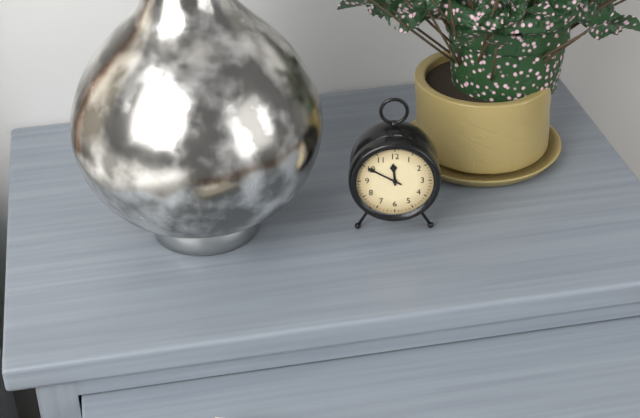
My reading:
11 h 50 min
